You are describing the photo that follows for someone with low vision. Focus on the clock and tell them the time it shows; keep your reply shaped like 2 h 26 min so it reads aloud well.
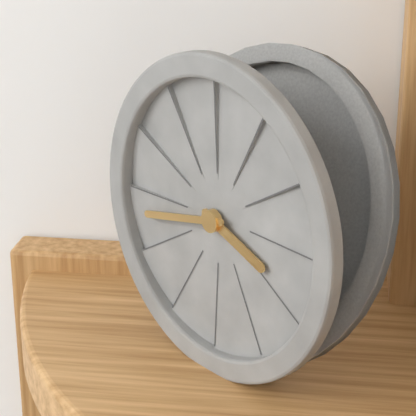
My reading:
3 h 43 min
